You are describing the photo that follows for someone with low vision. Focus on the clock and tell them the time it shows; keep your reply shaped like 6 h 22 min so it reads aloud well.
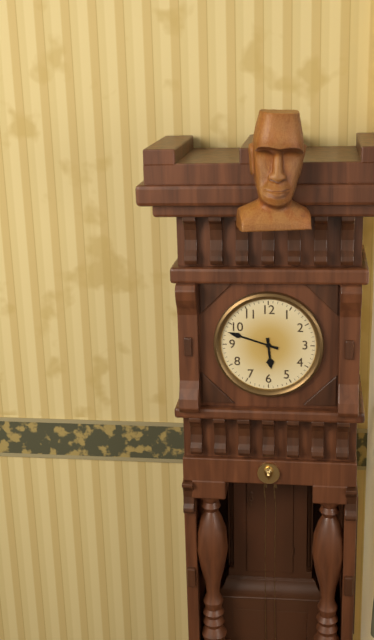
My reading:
5 h 48 min
